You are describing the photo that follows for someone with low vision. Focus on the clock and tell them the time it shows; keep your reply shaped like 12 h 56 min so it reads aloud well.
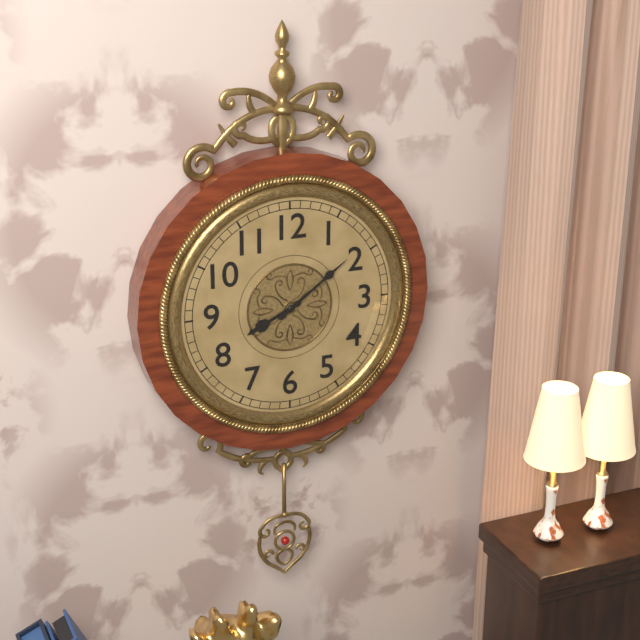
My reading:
8 h 09 min
